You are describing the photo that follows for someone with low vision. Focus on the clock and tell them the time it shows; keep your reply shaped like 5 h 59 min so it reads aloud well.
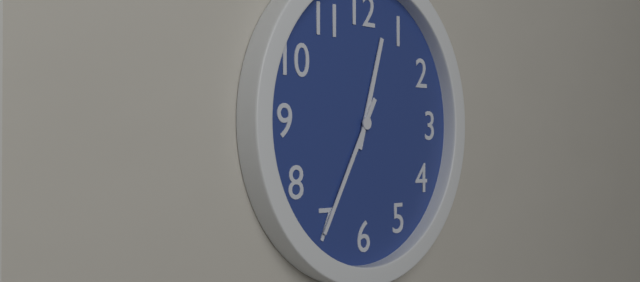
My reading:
12 h 35 min
